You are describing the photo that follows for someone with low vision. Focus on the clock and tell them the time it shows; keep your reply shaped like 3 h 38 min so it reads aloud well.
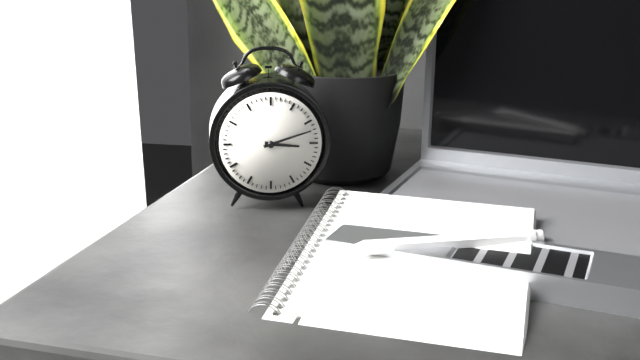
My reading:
3 h 12 min
